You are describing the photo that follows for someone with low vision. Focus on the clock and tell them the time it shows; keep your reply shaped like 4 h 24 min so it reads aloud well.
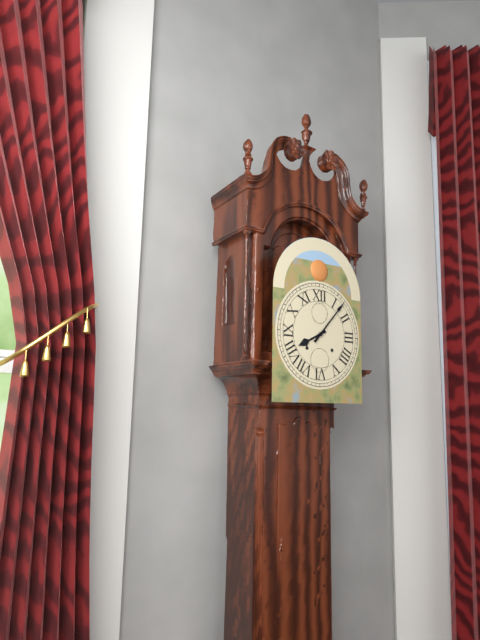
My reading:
8 h 07 min
